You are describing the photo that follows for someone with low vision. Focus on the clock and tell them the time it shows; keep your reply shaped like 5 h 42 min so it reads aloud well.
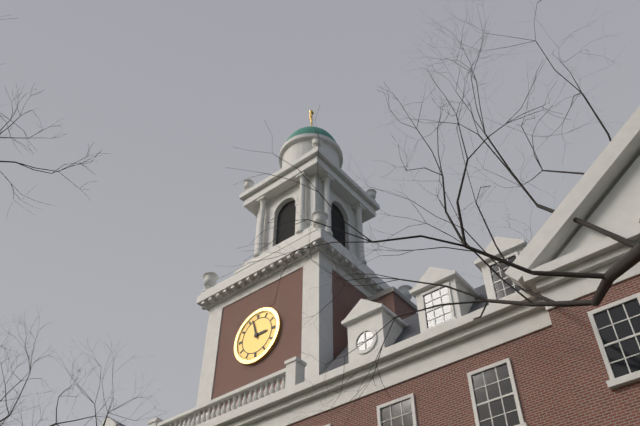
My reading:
2 h 57 min
